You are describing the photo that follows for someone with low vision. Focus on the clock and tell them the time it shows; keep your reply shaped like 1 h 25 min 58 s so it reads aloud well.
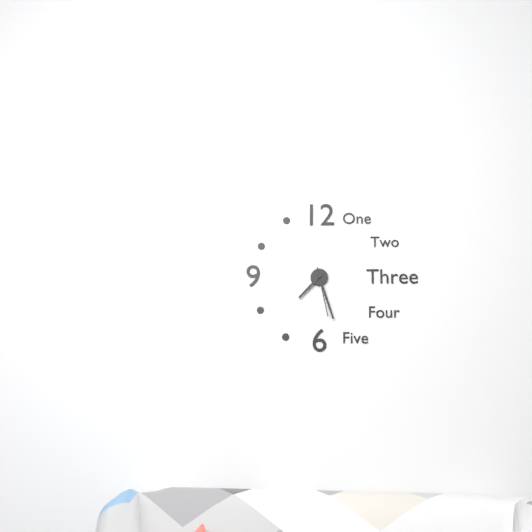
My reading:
7 h 27 min 28 s
